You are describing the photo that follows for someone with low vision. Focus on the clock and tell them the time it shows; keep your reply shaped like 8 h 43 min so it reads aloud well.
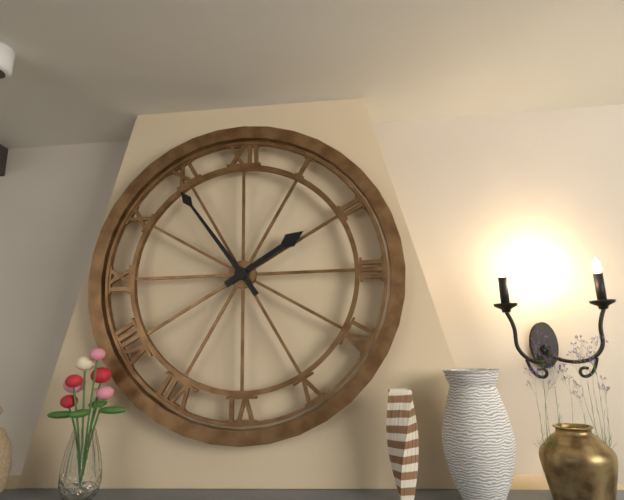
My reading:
1 h 54 min
